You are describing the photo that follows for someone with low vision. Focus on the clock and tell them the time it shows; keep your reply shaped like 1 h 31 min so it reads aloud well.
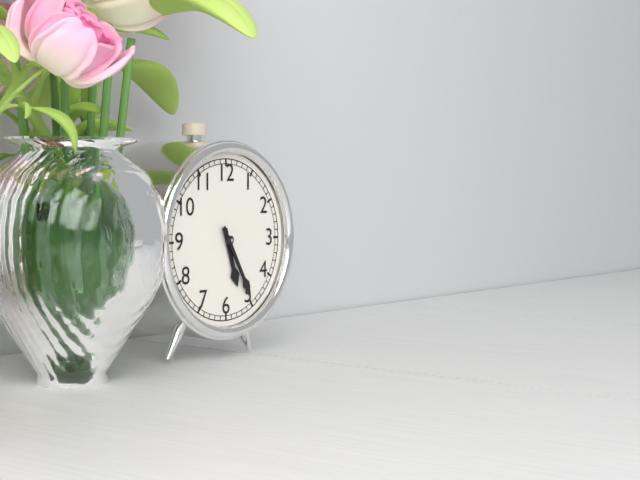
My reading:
5 h 25 min
